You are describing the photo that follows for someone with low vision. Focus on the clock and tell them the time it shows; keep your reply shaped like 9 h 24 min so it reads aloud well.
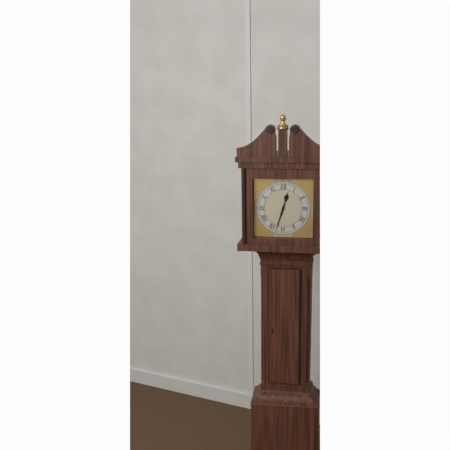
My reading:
12 h 33 min
